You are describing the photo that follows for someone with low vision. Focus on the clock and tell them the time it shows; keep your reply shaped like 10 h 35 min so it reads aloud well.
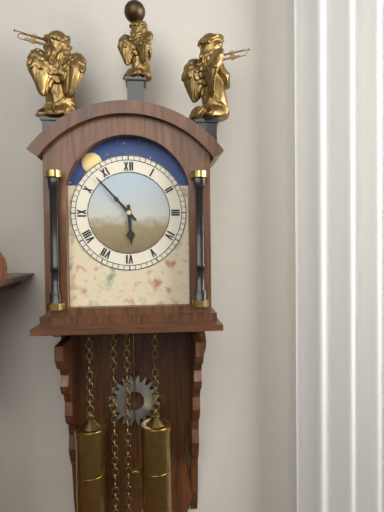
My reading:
5 h 53 min
